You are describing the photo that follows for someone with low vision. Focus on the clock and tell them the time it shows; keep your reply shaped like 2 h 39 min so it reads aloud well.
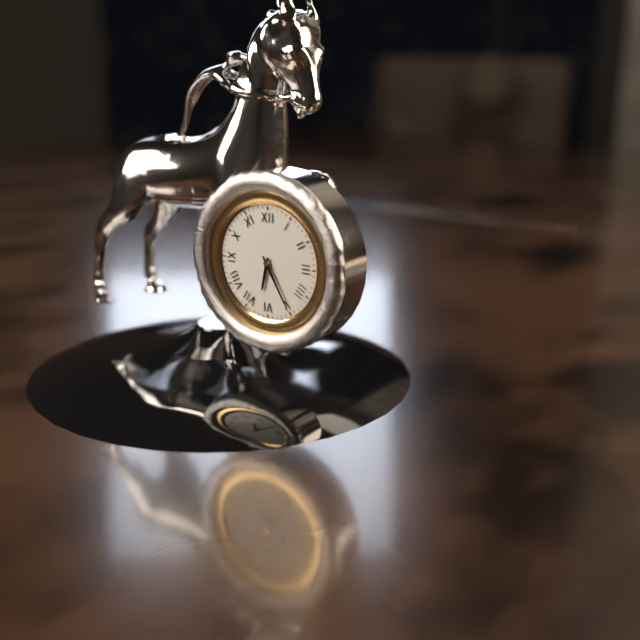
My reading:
6 h 25 min
